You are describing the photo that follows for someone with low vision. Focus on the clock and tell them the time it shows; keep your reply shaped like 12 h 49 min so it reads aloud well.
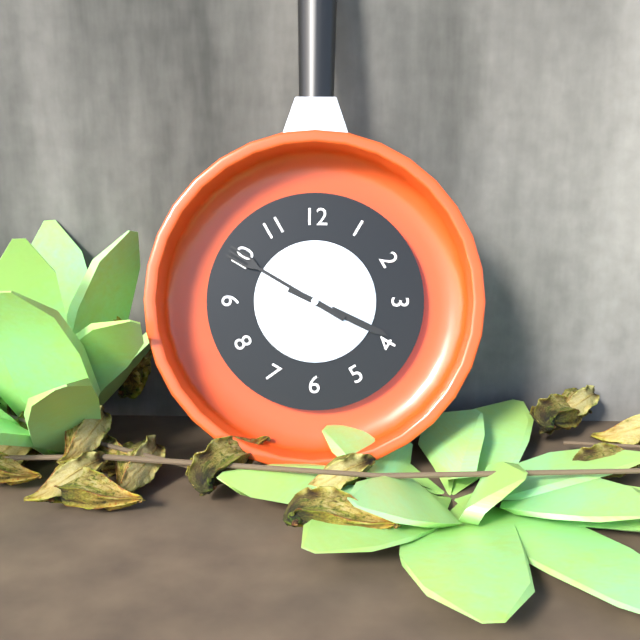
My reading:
3 h 50 min
